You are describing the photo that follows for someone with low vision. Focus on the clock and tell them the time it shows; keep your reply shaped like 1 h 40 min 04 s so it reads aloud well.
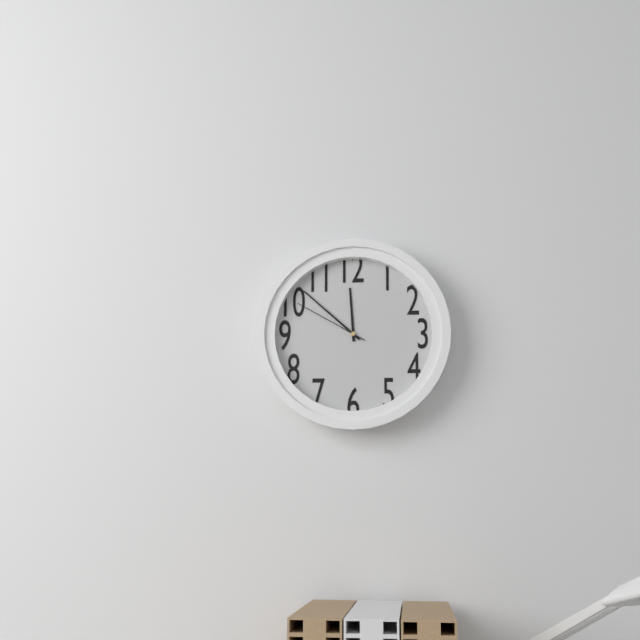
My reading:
11 h 52 min 50 s
